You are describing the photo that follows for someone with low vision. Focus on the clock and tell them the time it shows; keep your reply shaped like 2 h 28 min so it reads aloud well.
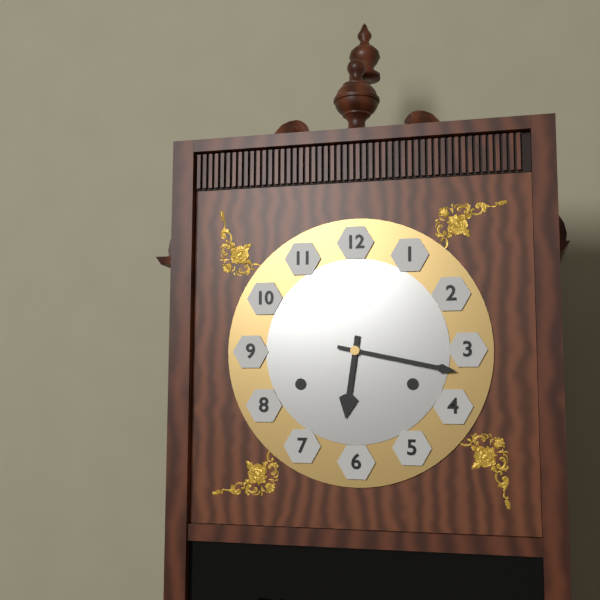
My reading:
6 h 17 min
